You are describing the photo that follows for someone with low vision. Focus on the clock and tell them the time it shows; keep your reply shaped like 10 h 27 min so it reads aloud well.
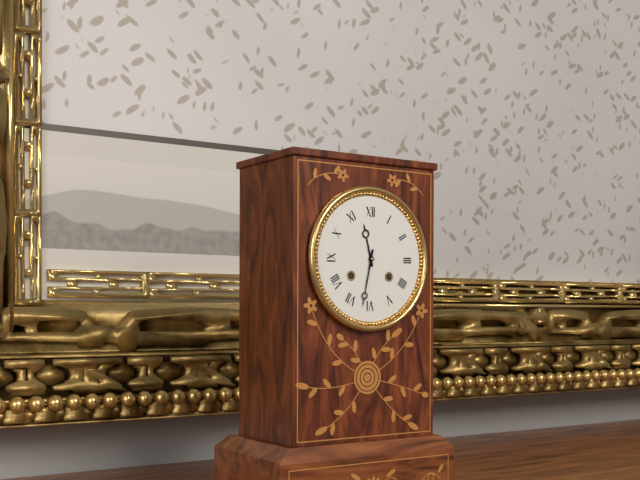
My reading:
11 h 32 min
